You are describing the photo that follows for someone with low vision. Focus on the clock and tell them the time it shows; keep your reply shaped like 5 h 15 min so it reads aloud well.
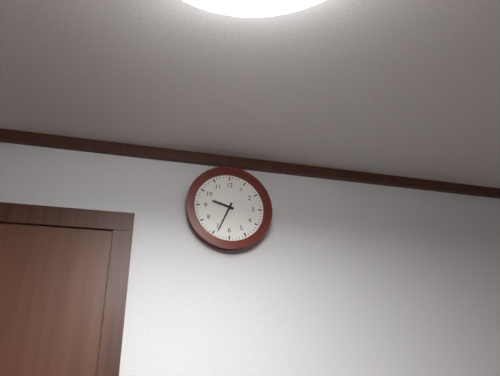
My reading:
9 h 34 min
